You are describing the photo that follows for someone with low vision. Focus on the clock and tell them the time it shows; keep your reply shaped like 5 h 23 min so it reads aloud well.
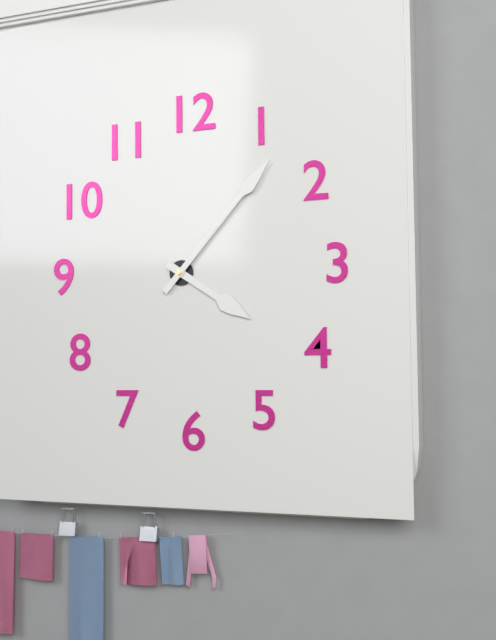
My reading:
4 h 07 min
